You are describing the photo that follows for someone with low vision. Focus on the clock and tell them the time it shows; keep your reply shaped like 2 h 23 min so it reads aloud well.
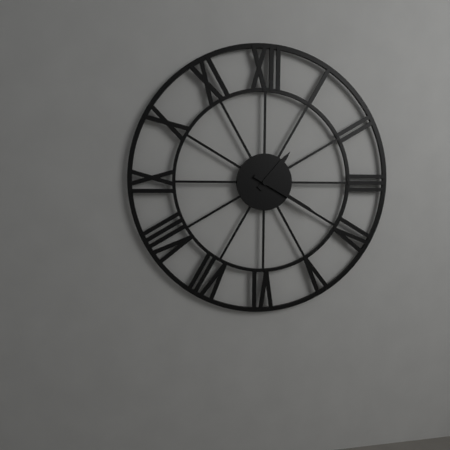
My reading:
1 h 20 min
